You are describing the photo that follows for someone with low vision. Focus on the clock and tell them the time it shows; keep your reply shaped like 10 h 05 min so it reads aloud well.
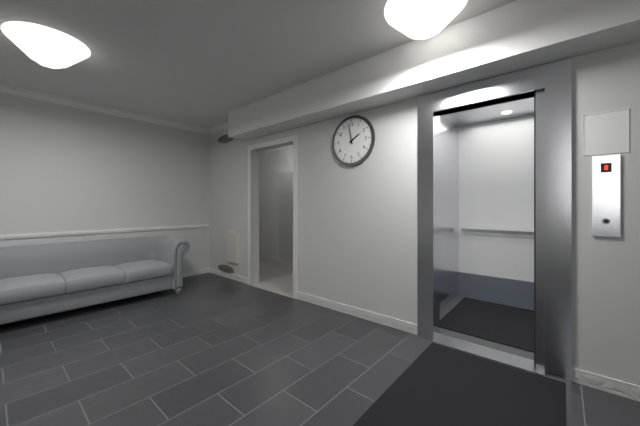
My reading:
1 h 58 min
